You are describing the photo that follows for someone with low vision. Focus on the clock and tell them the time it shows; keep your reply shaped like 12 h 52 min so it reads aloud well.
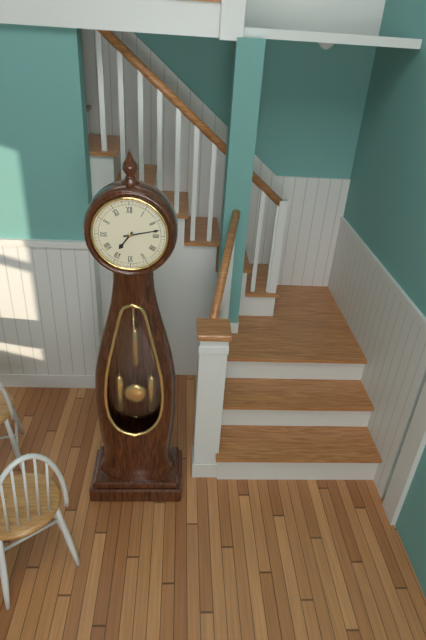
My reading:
7 h 13 min
